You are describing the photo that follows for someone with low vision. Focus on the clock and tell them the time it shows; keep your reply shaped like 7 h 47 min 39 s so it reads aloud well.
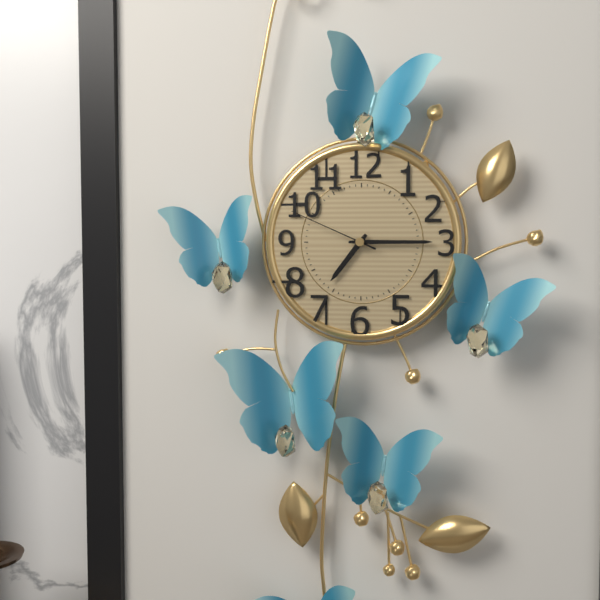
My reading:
7 h 15 min 49 s
